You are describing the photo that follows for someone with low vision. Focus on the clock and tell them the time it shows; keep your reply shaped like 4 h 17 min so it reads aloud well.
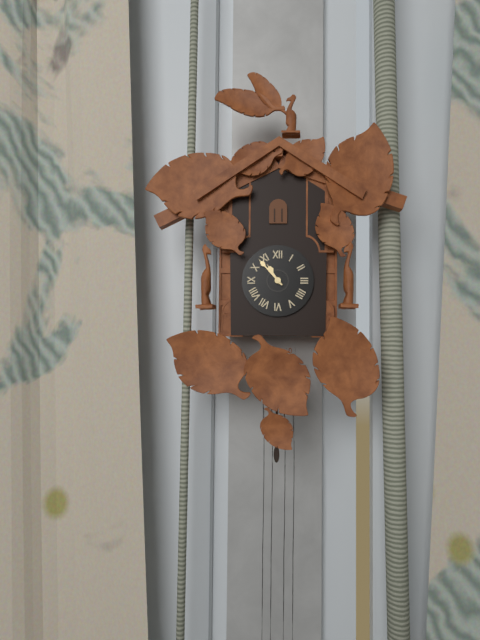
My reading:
10 h 53 min
